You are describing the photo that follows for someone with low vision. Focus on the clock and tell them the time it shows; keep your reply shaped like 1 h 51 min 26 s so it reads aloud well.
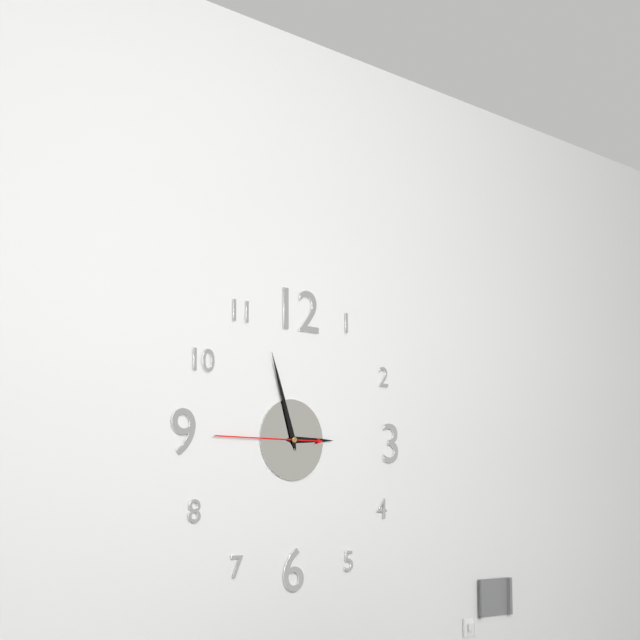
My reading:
2 h 57 min 45 s
